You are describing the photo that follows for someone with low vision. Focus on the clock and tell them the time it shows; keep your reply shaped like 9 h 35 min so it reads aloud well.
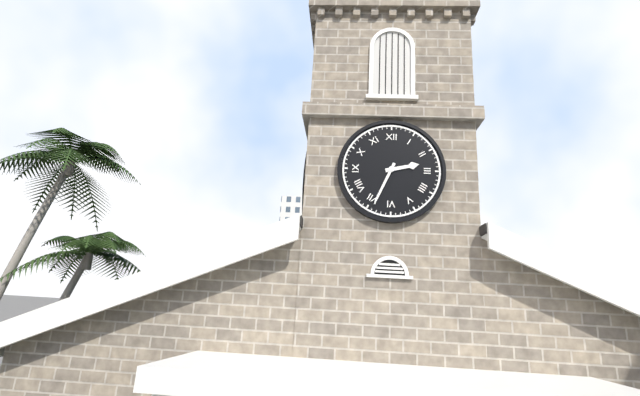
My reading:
2 h 34 min
